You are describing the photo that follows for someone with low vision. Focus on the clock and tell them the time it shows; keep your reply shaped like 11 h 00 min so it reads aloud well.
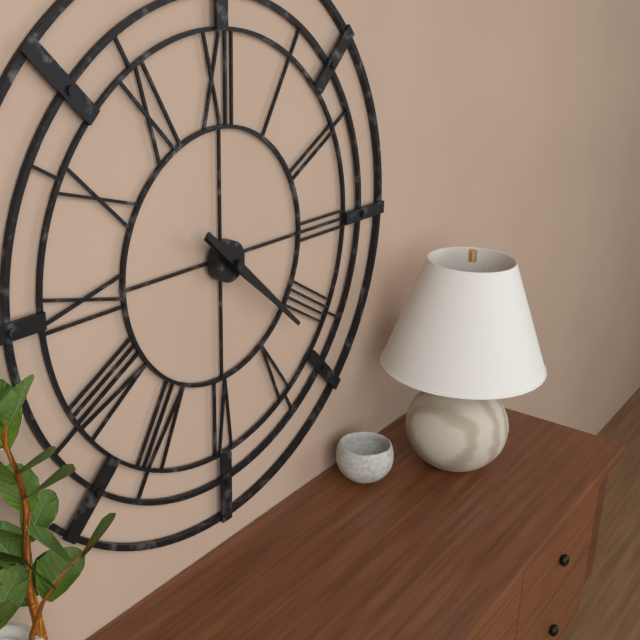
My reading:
4 h 22 min
